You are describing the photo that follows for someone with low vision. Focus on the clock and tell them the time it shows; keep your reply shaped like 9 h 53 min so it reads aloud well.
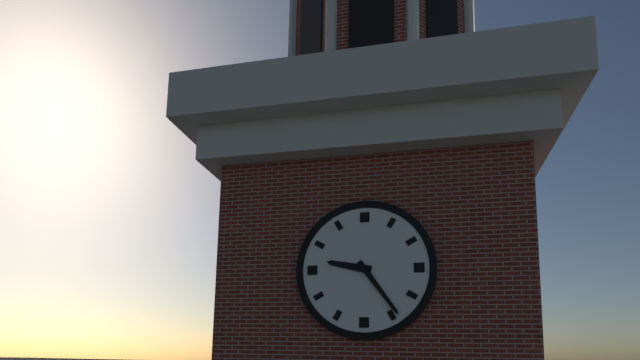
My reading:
9 h 24 min
